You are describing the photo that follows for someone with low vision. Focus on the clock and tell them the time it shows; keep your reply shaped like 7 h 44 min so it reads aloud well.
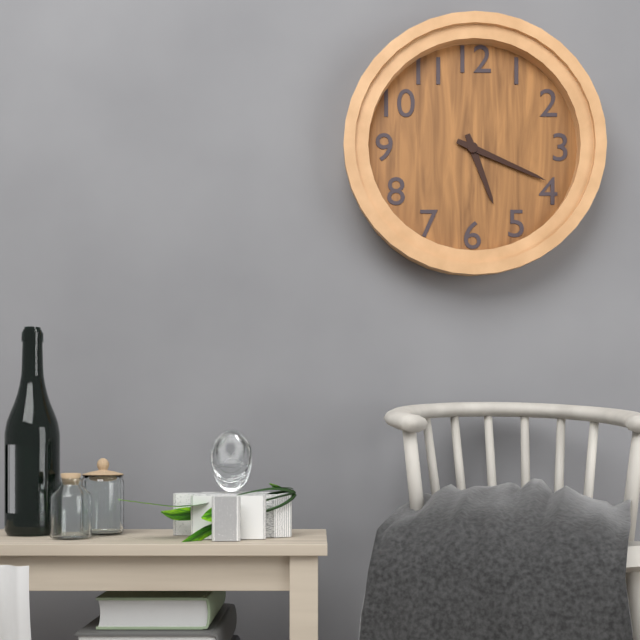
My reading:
5 h 19 min
